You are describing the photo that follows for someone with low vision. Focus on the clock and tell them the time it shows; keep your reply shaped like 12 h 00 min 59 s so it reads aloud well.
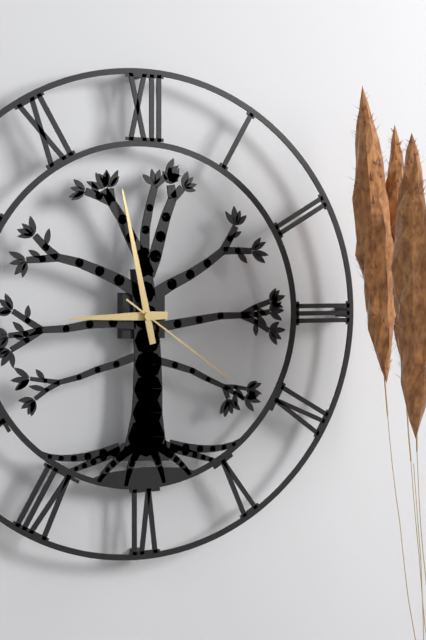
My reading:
8 h 58 min 21 s
